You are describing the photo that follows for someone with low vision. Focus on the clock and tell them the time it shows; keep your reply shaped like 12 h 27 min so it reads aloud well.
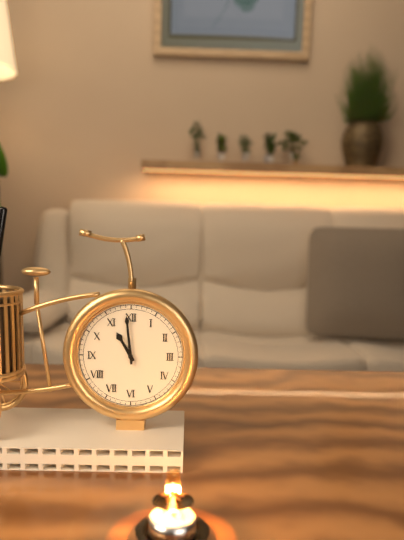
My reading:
10 h 59 min
